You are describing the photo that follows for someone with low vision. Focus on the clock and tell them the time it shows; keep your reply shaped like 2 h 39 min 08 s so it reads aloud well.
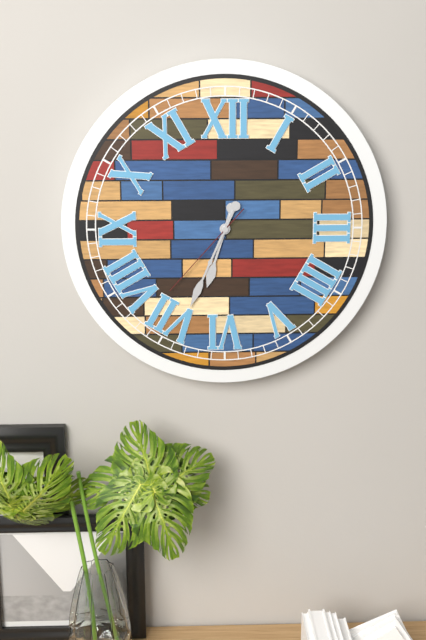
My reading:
6 h 34 min 37 s
